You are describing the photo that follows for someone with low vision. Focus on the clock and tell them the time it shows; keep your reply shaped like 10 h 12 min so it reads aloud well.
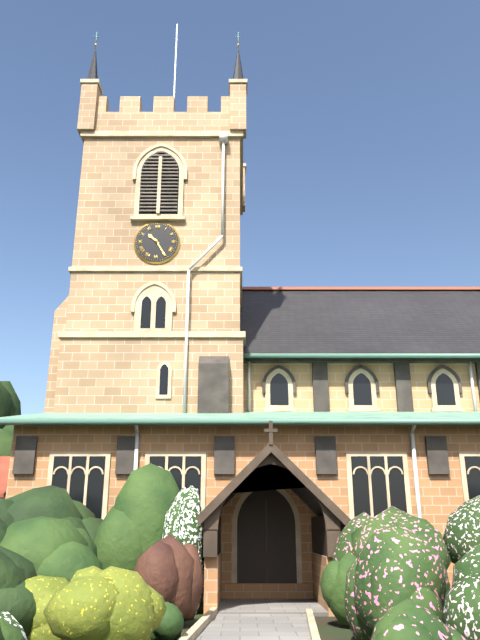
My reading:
10 h 25 min
